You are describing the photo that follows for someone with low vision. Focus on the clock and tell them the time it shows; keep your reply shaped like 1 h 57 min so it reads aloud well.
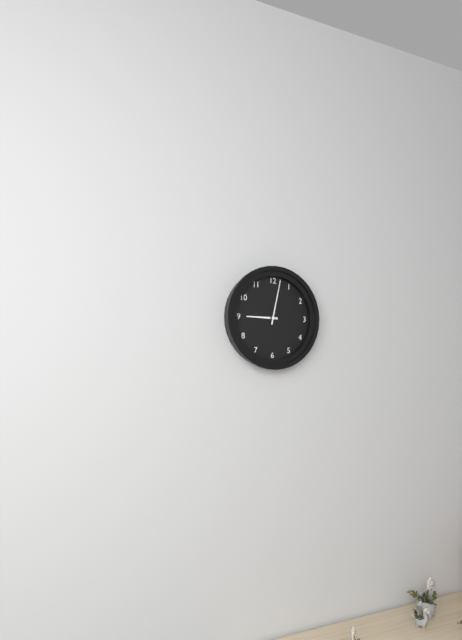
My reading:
9 h 02 min
